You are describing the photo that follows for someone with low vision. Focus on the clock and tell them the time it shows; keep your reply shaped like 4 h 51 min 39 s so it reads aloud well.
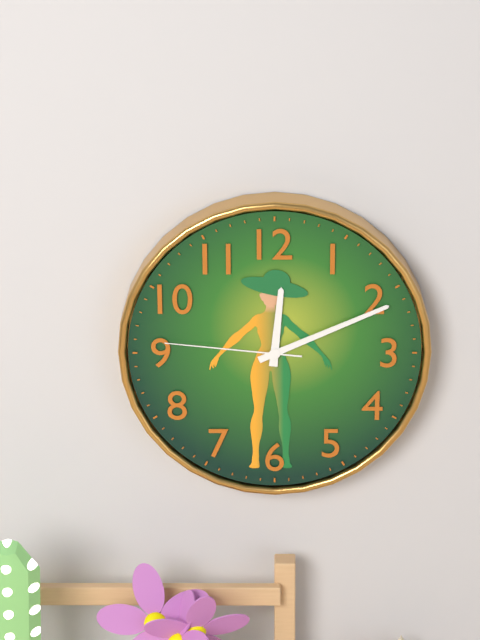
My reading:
12 h 11 min 46 s
